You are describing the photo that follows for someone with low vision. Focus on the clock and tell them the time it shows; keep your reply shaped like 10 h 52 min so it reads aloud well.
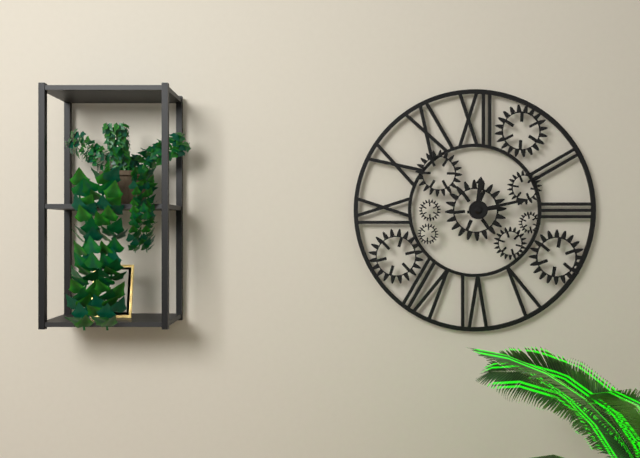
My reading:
12 h 13 min
